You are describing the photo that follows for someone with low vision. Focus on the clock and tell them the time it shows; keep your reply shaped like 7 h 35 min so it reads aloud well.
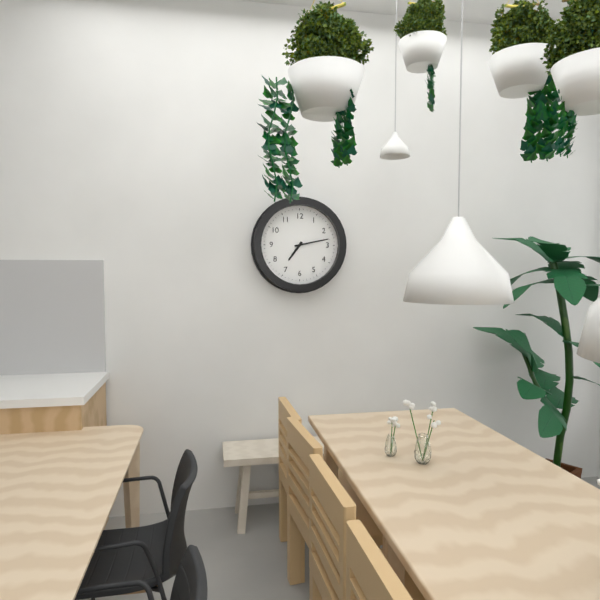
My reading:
7 h 13 min
